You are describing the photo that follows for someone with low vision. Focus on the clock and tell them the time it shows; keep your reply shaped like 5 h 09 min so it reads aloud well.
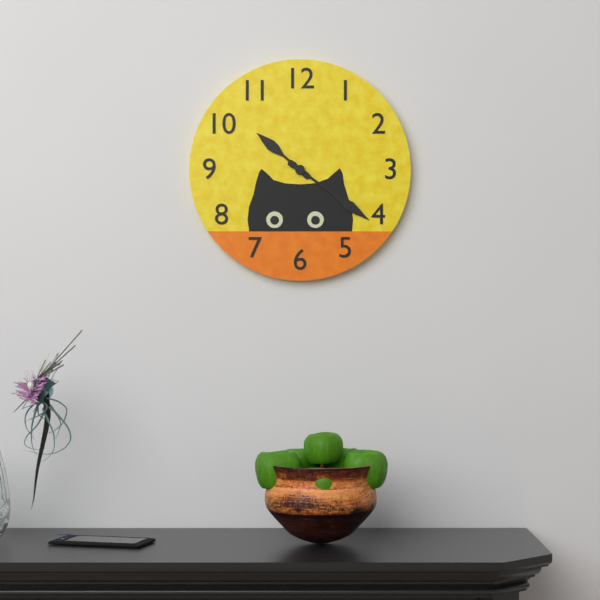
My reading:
10 h 21 min
